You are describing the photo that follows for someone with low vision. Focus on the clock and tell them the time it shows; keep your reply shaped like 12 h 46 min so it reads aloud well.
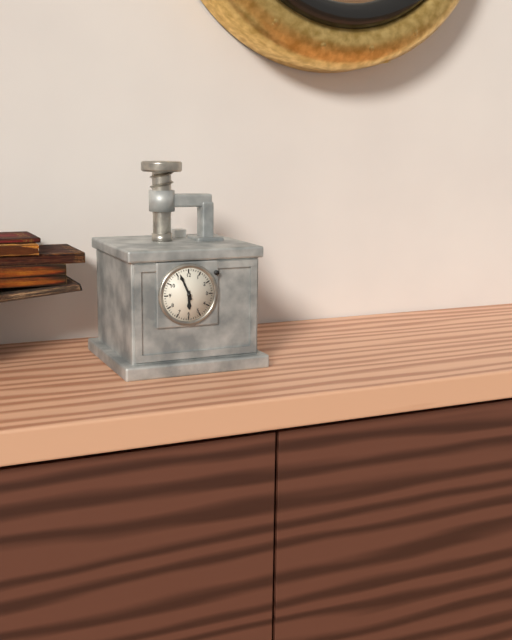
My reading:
5 h 56 min
